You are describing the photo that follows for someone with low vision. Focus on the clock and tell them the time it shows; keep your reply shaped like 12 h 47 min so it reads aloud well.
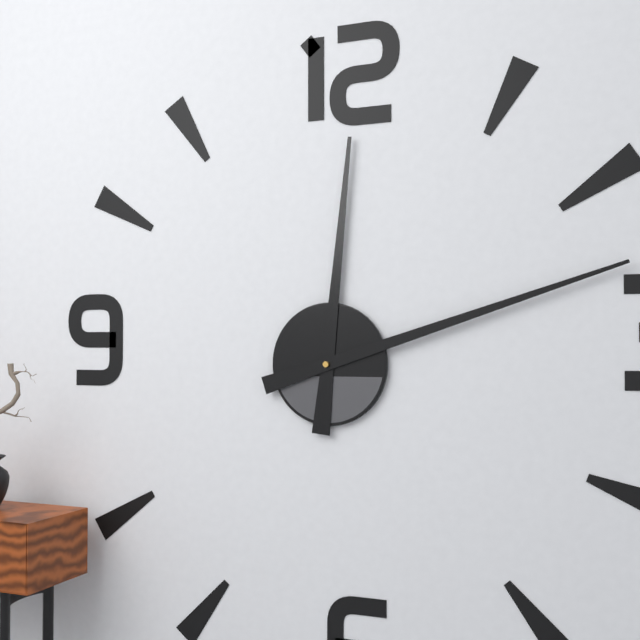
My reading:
12 h 12 min
